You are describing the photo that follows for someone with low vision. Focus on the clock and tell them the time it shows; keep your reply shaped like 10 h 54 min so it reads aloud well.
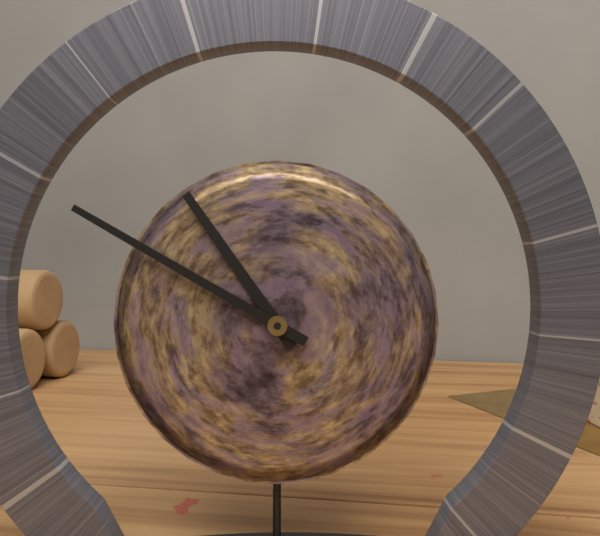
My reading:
10 h 50 min
